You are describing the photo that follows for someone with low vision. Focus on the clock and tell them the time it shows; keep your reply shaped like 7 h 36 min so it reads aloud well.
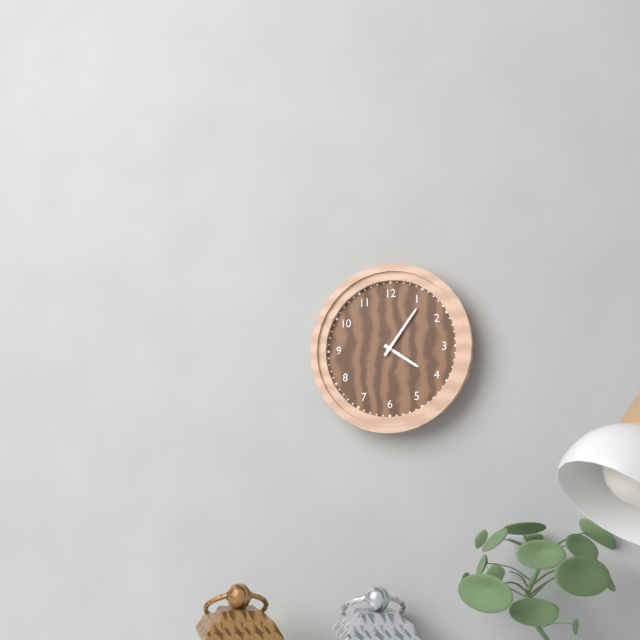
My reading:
4 h 06 min
